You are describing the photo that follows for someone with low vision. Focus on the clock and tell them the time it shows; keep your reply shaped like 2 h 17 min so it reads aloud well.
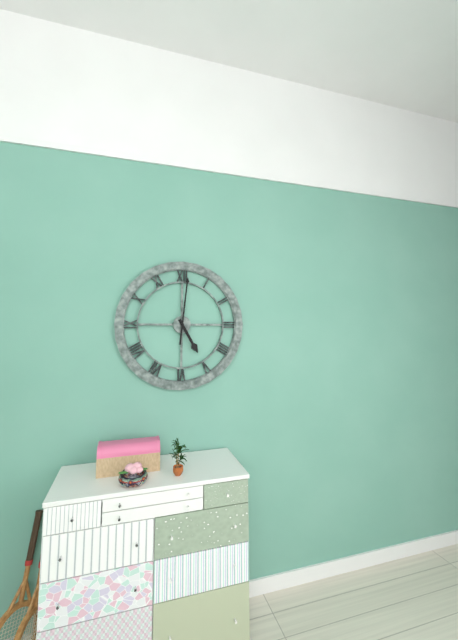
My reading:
5 h 01 min
